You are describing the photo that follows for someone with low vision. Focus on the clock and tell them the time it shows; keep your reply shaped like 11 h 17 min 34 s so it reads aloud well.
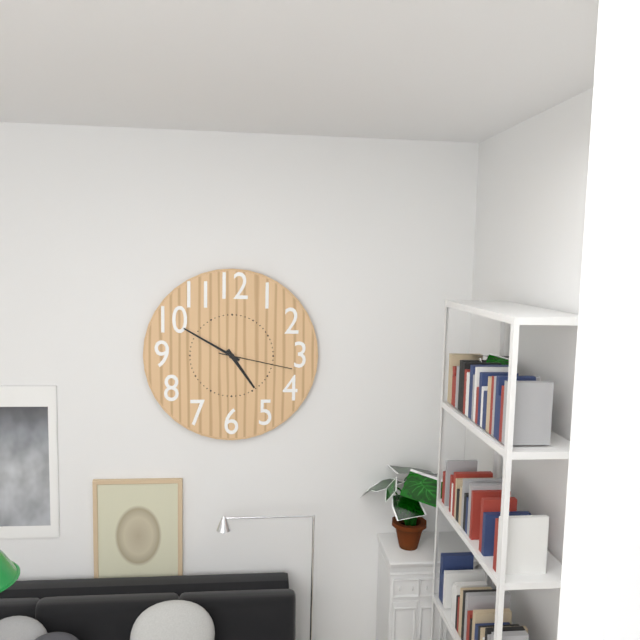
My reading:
4 h 50 min 17 s
